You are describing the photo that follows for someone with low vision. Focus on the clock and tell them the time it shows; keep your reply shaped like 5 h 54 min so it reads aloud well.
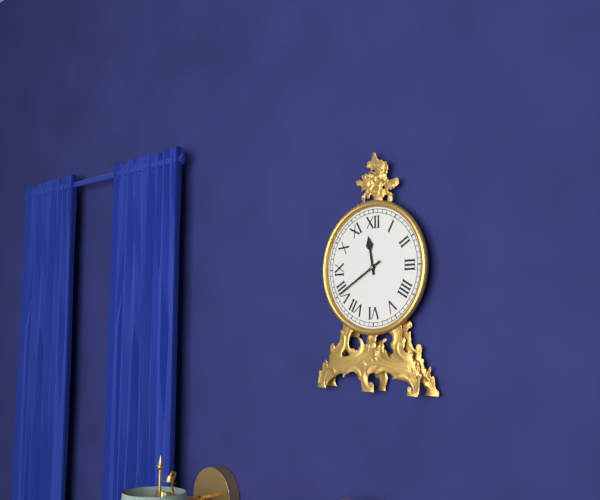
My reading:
11 h 40 min
